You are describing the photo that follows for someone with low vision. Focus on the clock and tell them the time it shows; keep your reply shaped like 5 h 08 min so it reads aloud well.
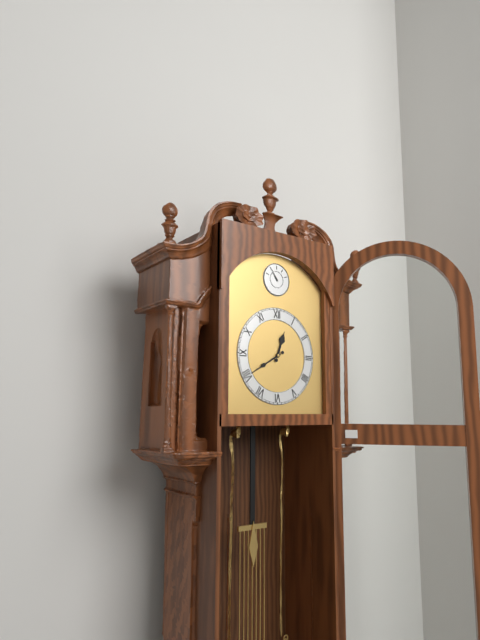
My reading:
12 h 40 min
